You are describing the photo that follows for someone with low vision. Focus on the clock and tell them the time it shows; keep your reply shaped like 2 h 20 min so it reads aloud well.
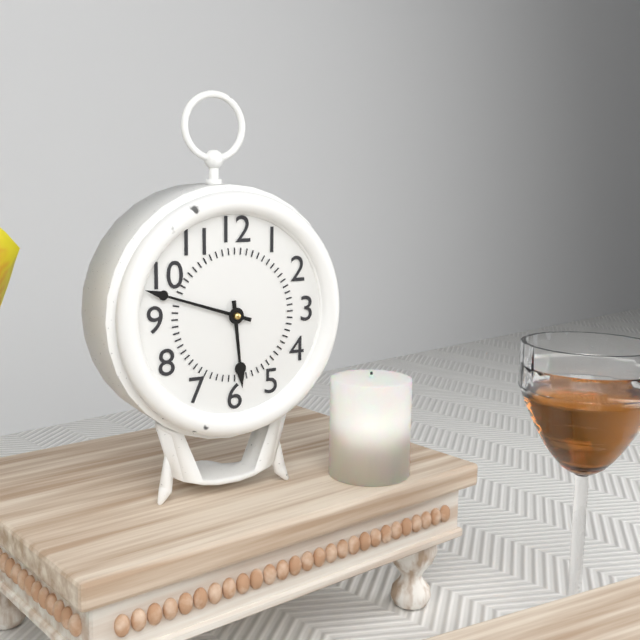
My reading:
5 h 48 min
